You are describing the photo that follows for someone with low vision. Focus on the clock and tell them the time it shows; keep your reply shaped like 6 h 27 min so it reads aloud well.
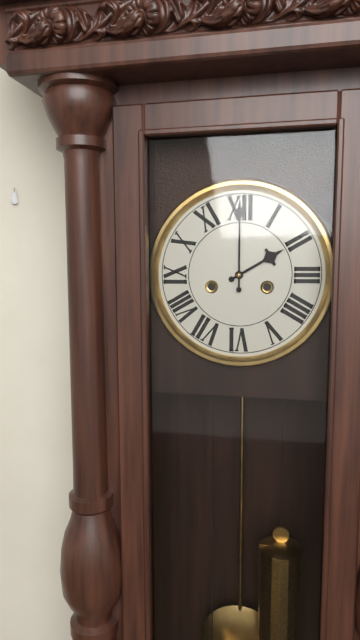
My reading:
2 h 00 min
